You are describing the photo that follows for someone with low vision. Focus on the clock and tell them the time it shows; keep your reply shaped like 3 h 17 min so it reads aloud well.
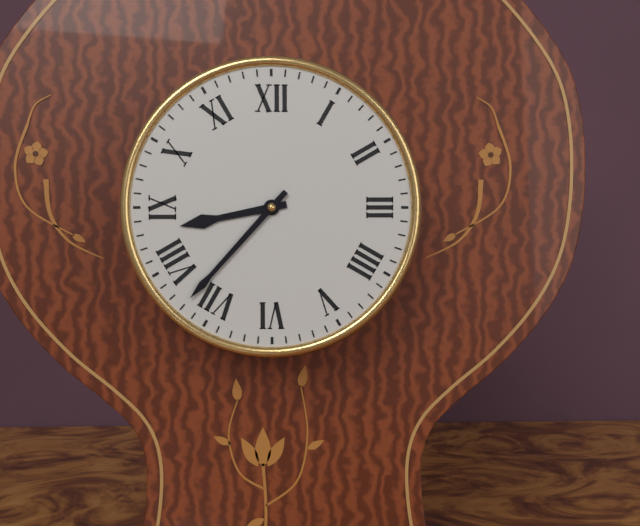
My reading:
8 h 37 min
